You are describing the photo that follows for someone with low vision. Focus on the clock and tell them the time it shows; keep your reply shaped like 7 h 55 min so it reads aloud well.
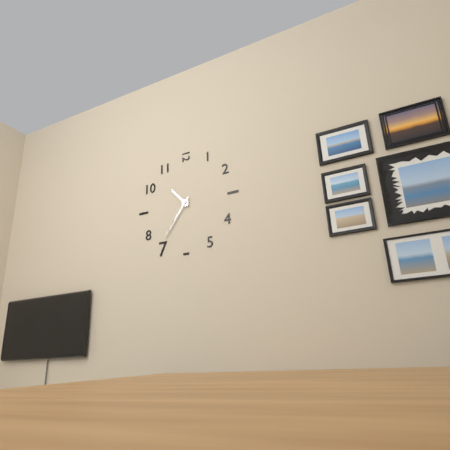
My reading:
10 h 36 min
